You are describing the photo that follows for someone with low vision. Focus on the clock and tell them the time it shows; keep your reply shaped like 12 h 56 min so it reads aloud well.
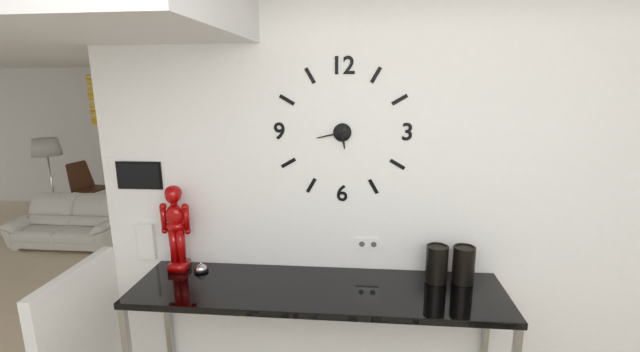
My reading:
5 h 43 min
